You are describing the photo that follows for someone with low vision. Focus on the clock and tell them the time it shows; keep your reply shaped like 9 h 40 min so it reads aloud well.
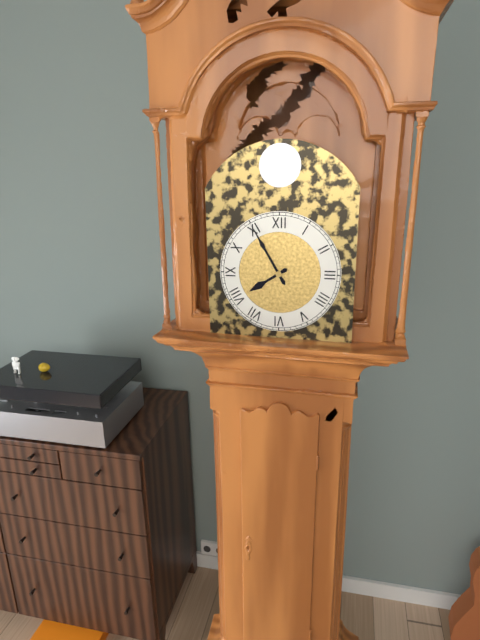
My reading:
7 h 55 min
